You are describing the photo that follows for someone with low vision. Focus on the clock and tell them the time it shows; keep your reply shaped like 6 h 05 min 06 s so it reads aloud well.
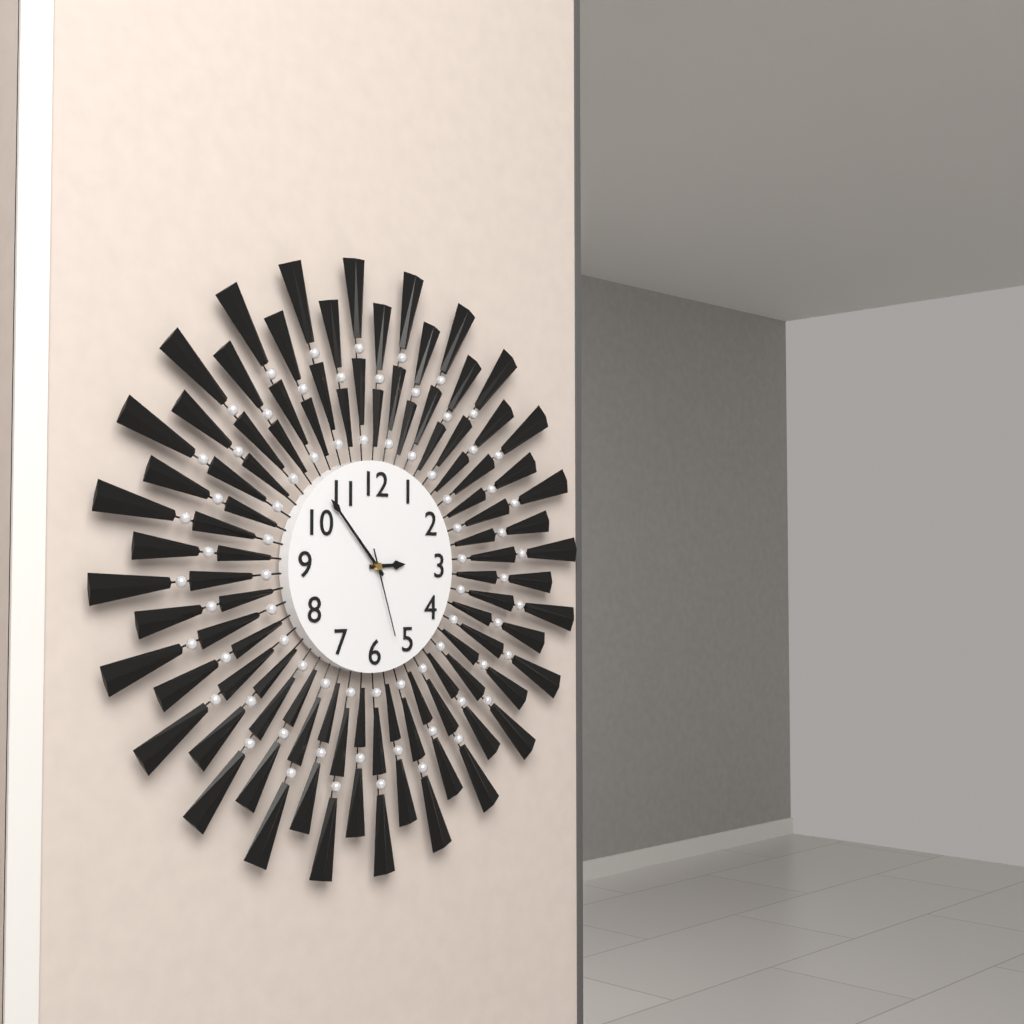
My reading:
2 h 53 min 27 s
